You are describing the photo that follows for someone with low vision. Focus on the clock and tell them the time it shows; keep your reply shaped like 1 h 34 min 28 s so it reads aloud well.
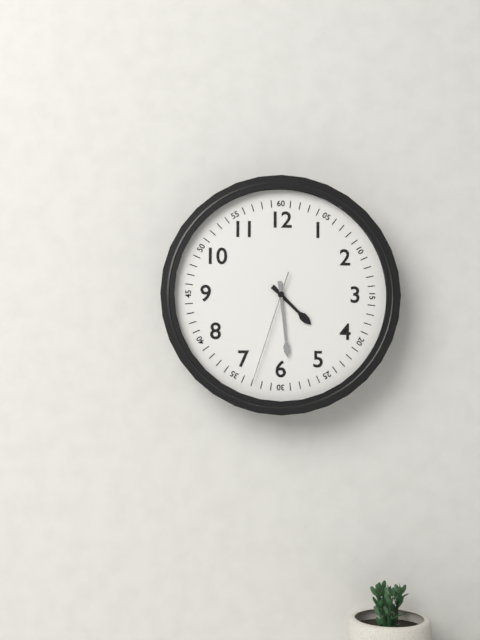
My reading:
4 h 29 min 33 s
